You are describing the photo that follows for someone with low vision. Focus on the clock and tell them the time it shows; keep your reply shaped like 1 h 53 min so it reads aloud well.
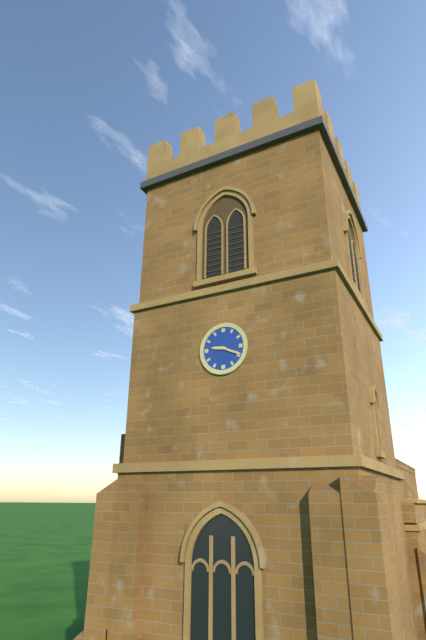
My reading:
9 h 19 min
